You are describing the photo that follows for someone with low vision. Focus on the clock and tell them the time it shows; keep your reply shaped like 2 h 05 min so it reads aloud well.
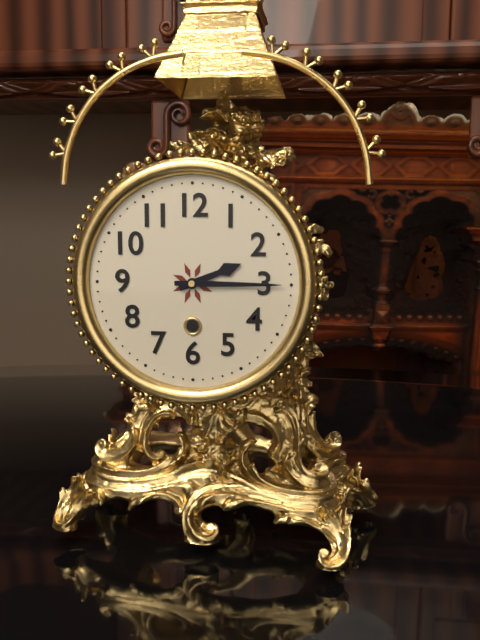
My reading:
2 h 15 min
